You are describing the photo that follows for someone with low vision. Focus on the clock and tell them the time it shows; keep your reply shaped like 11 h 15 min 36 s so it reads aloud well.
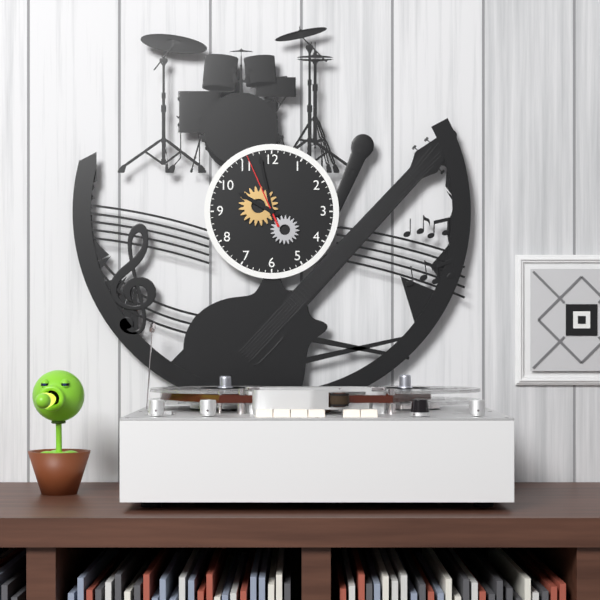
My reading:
9 h 58 min 56 s
